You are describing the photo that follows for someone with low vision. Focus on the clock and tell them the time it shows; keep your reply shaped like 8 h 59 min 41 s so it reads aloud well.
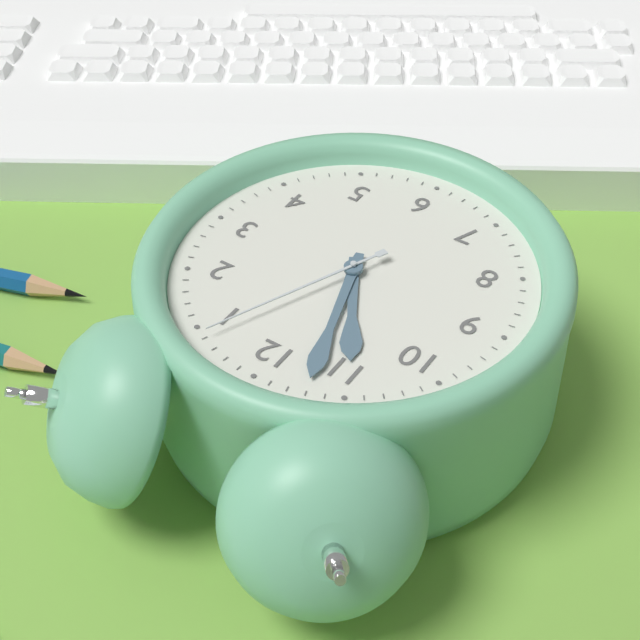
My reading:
10 h 57 min 04 s
